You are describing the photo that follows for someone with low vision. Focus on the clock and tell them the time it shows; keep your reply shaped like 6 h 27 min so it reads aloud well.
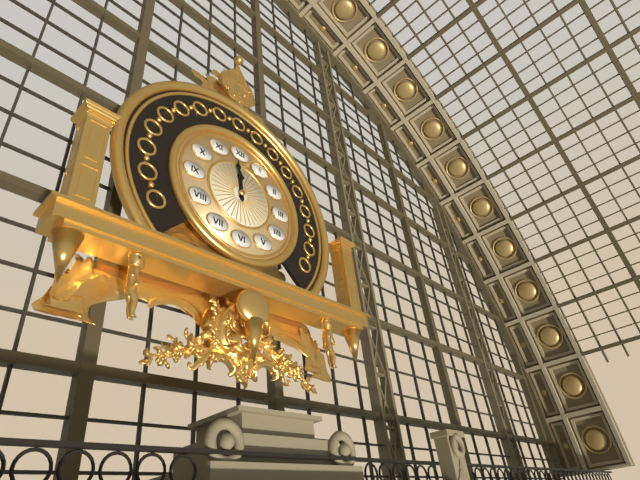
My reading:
11 h 59 min
